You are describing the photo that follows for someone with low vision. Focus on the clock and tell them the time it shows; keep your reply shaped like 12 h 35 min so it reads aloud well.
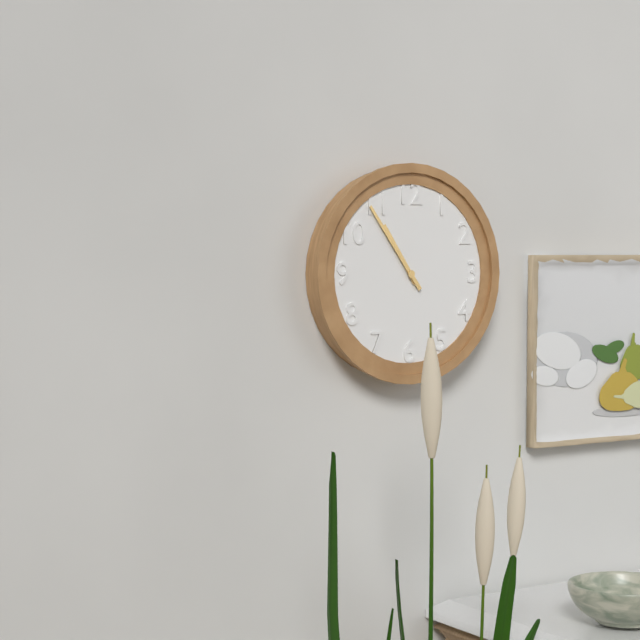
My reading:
10 h 54 min
